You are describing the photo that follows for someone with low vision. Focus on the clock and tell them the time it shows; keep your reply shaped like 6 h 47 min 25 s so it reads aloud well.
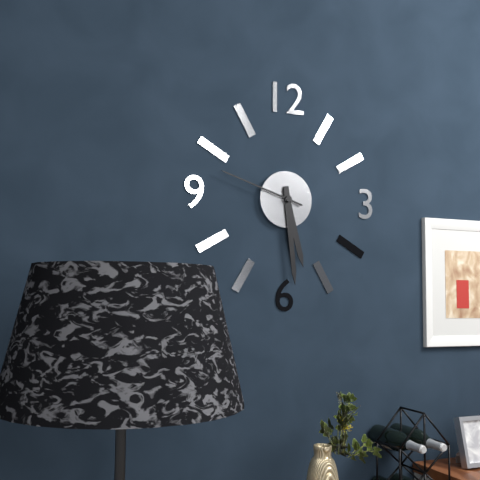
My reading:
5 h 29 min 48 s
